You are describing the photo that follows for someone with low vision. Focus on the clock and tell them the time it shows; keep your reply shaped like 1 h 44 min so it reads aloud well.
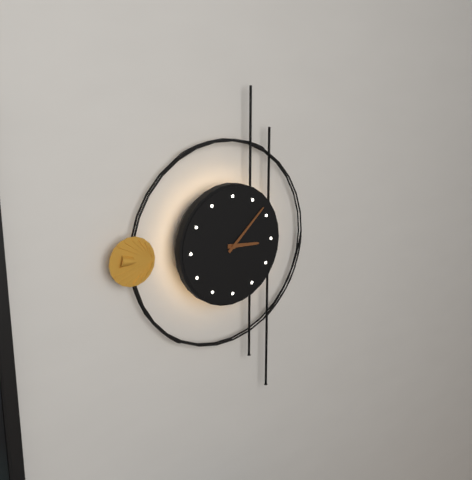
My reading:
3 h 08 min
